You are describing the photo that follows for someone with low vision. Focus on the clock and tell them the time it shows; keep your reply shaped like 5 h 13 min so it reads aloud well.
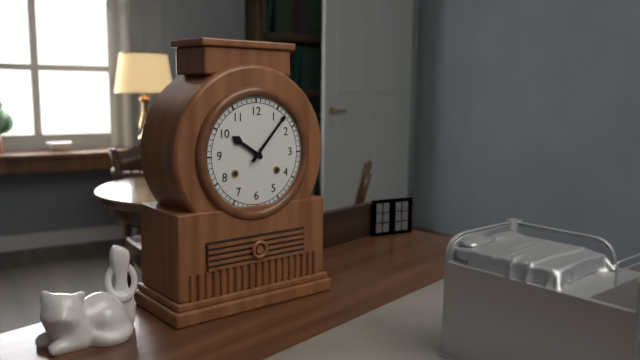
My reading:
10 h 07 min
